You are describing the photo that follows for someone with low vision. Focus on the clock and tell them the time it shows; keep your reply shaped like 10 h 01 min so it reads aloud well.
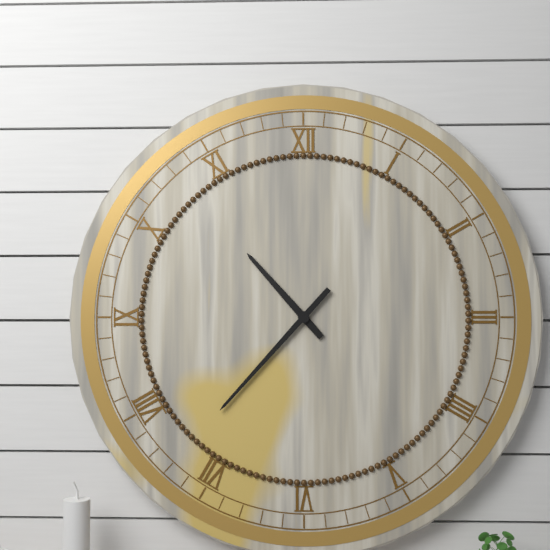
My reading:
10 h 37 min
